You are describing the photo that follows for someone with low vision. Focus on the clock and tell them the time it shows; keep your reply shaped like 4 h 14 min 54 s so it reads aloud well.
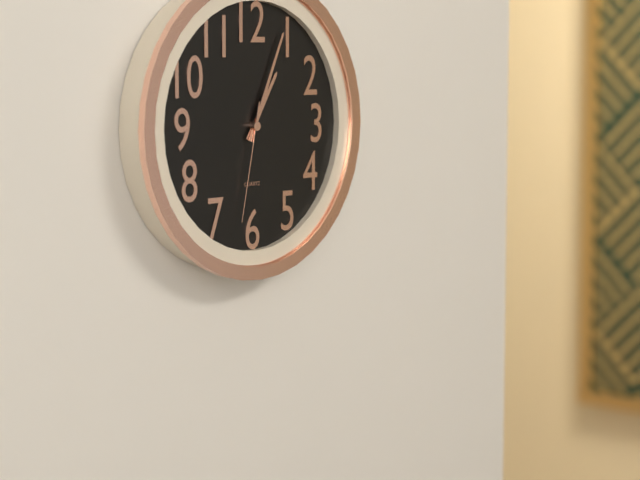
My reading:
1 h 04 min 32 s
